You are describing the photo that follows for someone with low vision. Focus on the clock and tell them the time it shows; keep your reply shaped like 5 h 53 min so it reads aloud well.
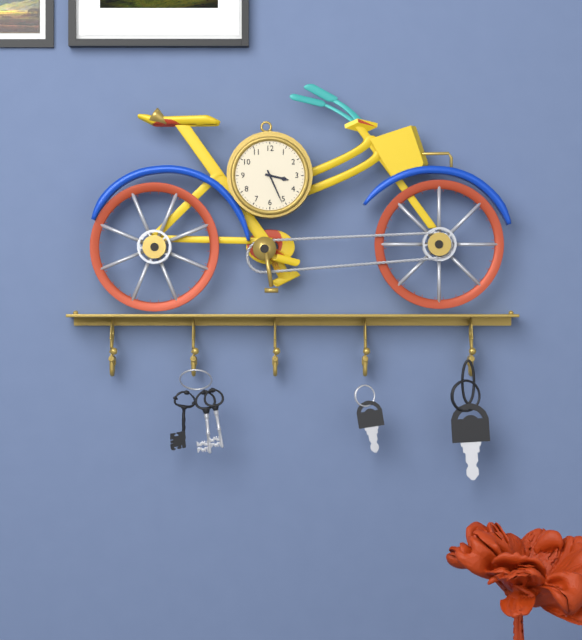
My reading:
3 h 26 min
